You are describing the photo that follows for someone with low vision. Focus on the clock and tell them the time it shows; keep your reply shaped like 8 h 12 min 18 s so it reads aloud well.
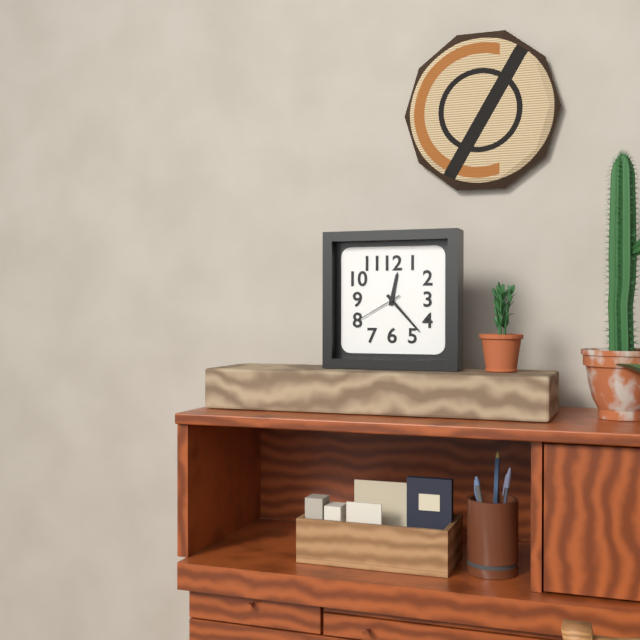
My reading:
12 h 23 min 40 s
